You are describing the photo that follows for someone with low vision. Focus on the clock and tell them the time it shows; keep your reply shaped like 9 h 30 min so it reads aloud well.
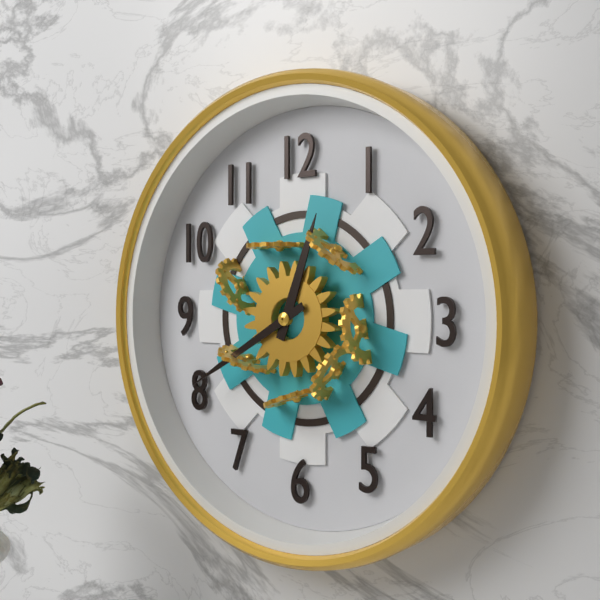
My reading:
12 h 40 min
